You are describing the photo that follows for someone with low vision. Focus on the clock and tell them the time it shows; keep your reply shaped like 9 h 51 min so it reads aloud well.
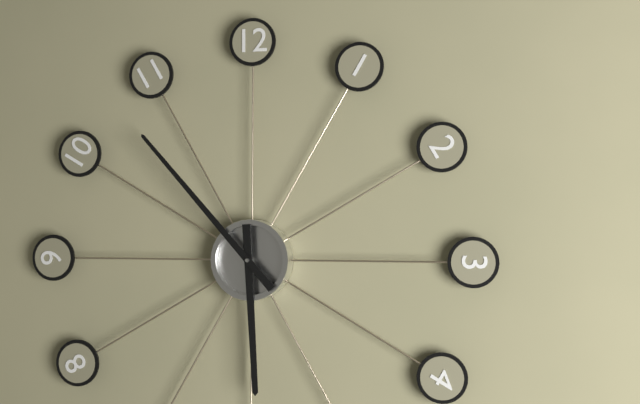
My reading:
5 h 53 min
